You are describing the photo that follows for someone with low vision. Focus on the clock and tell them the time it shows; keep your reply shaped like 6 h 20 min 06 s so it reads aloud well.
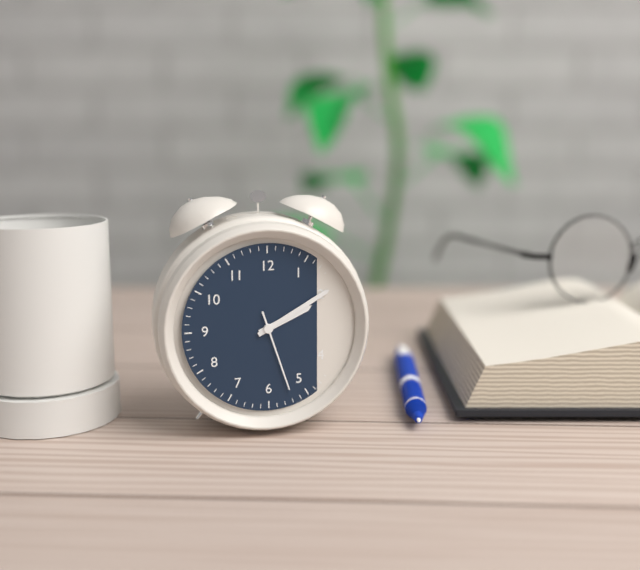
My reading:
2 h 10 min 27 s
